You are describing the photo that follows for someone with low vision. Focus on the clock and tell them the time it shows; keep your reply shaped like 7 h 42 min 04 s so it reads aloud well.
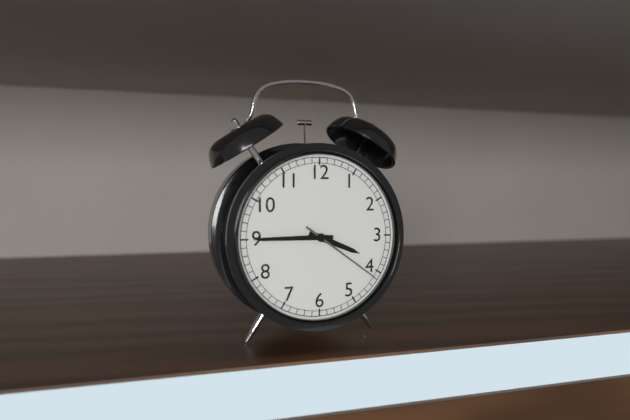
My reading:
3 h 45 min 21 s
